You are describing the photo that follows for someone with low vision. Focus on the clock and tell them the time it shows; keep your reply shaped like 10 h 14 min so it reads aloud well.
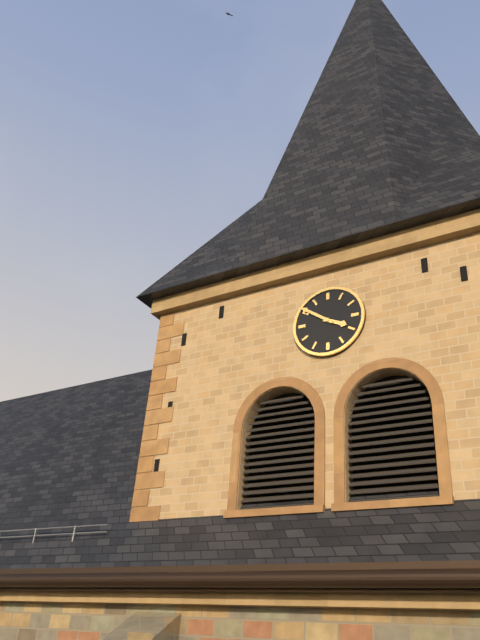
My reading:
3 h 51 min
